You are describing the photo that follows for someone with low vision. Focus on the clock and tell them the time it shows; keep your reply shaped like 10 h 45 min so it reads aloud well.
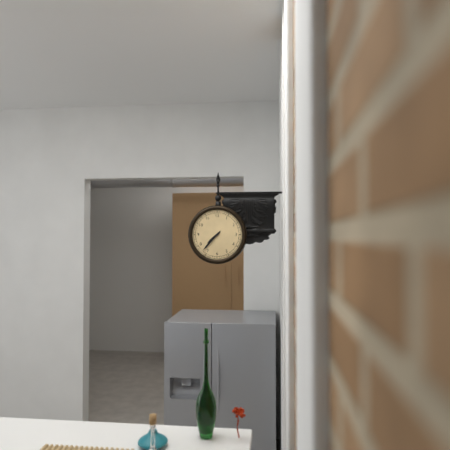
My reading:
7 h 37 min
